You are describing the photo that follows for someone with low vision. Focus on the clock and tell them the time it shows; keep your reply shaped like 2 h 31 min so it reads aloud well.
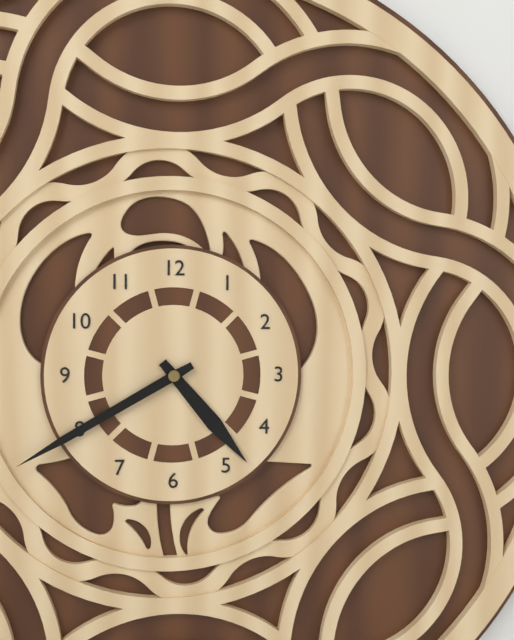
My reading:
4 h 40 min
